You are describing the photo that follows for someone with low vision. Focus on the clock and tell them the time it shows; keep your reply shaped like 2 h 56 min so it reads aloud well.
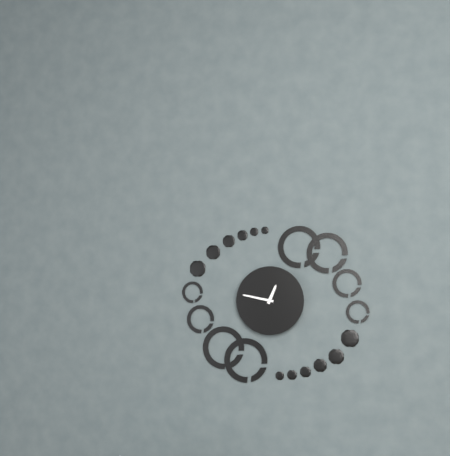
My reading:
12 h 47 min
